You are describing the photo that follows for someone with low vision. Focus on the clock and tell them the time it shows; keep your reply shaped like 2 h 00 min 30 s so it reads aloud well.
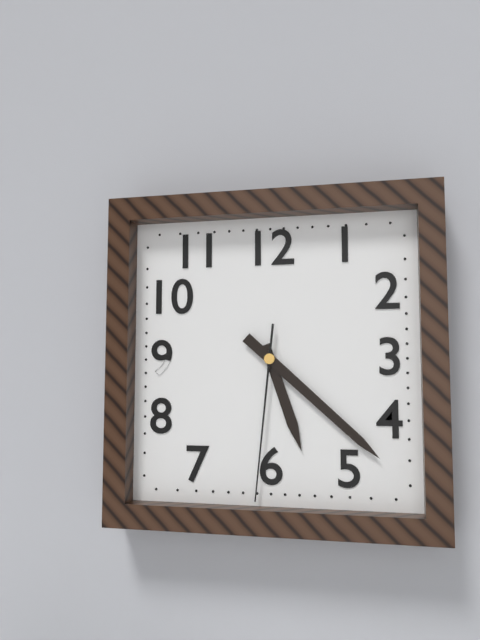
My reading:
5 h 22 min 31 s
